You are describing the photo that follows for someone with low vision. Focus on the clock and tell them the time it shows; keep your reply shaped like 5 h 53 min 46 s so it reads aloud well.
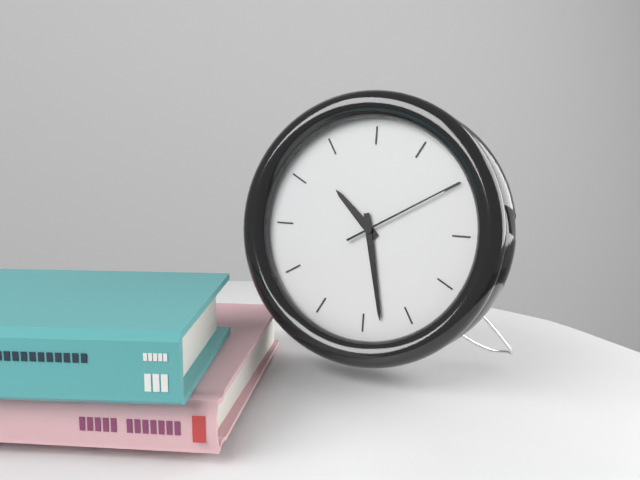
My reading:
10 h 28 min 10 s
